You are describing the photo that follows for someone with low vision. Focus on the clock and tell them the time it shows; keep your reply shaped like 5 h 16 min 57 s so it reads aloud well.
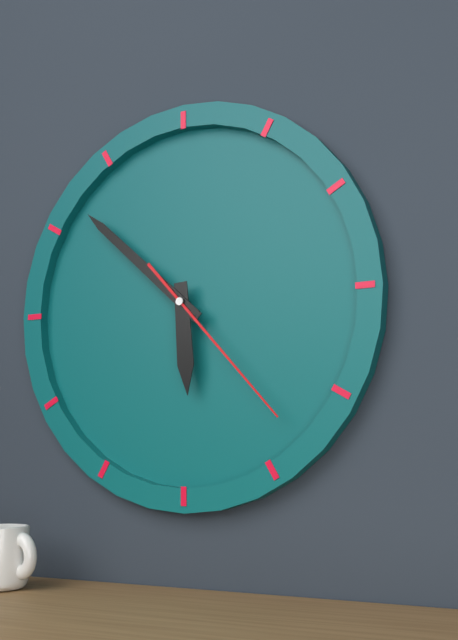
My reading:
5 h 52 min 23 s
